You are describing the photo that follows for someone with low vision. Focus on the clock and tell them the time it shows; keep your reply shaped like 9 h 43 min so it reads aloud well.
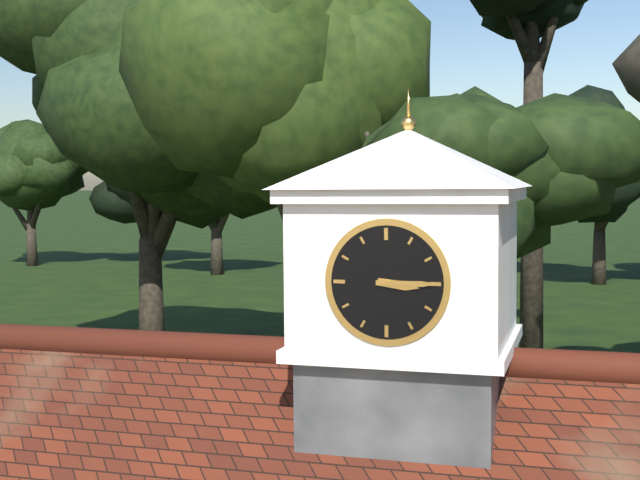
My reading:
3 h 15 min
